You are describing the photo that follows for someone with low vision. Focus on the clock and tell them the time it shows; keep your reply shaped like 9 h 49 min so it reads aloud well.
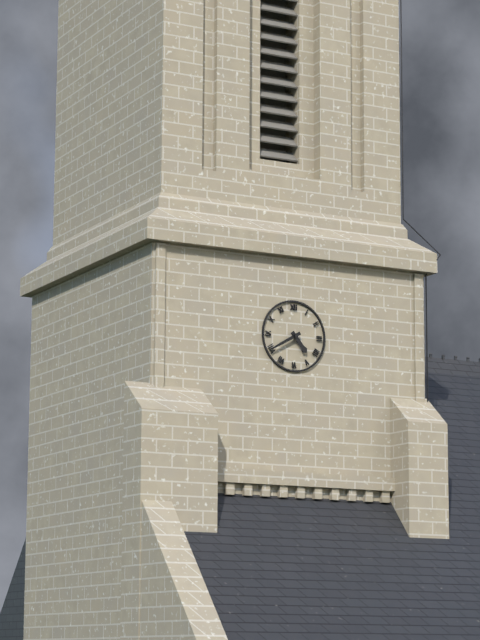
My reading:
4 h 40 min
